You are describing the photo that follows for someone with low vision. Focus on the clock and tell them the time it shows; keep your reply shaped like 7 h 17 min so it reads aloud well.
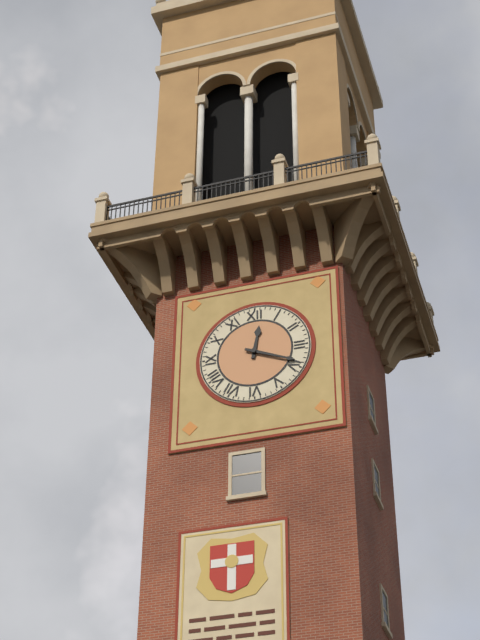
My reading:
12 h 19 min
